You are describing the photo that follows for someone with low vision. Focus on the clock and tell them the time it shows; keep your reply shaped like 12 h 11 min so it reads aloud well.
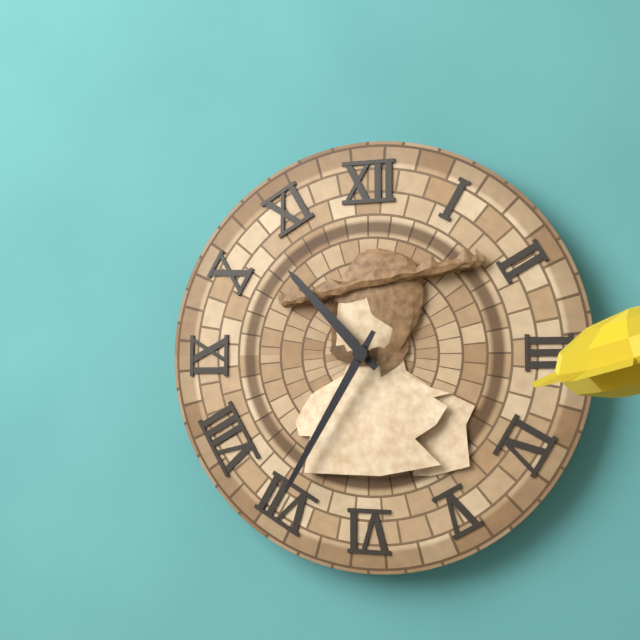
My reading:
10 h 35 min
